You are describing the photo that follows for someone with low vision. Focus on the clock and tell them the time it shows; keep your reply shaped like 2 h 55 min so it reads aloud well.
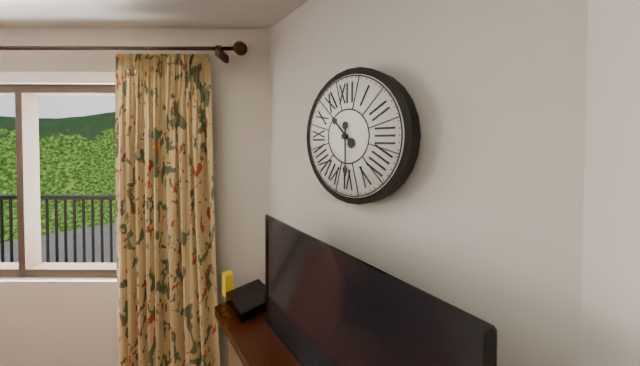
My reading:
10 h 30 min
